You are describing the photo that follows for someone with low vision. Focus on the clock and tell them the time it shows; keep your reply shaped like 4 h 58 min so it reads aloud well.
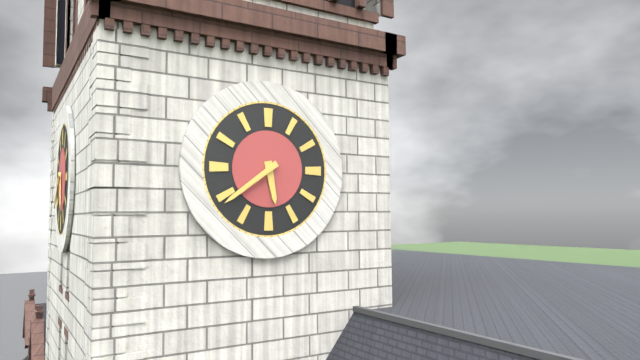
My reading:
5 h 39 min
